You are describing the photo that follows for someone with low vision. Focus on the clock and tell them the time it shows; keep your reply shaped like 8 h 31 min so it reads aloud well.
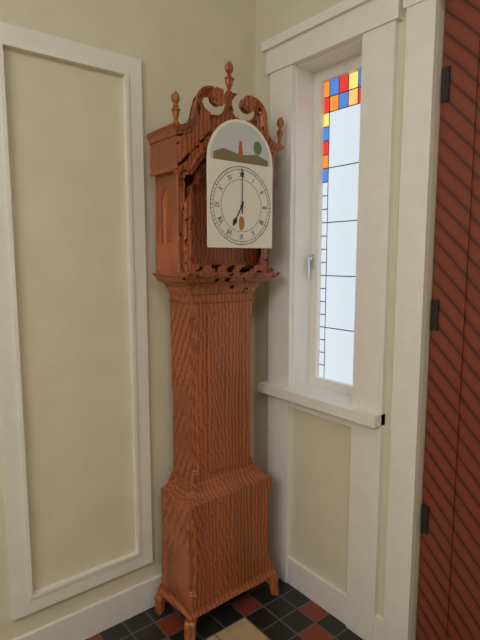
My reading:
7 h 00 min
